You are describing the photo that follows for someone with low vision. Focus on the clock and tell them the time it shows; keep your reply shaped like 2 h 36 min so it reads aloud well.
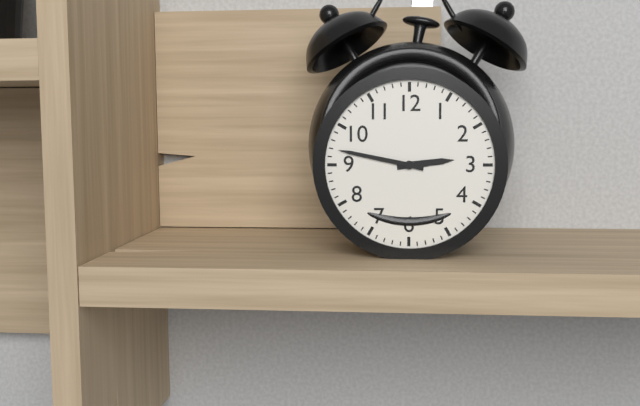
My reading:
2 h 47 min
